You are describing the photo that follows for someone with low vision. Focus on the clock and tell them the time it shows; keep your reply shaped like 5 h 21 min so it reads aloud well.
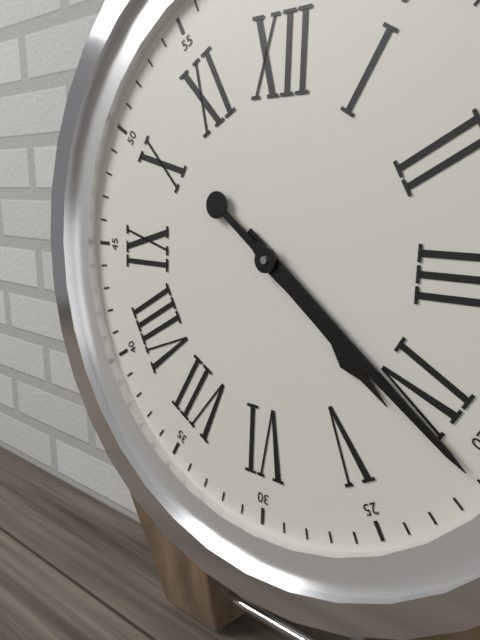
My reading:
4 h 21 min
